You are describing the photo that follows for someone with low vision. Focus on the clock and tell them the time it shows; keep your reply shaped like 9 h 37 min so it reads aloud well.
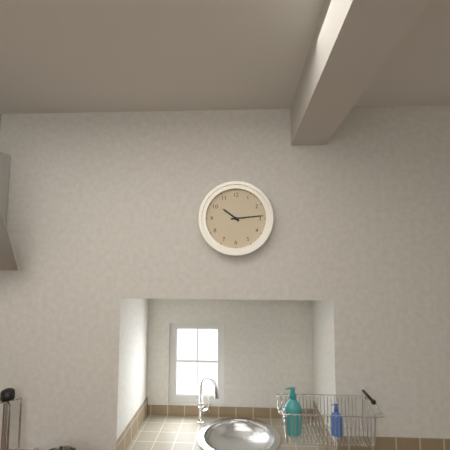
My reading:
10 h 14 min
